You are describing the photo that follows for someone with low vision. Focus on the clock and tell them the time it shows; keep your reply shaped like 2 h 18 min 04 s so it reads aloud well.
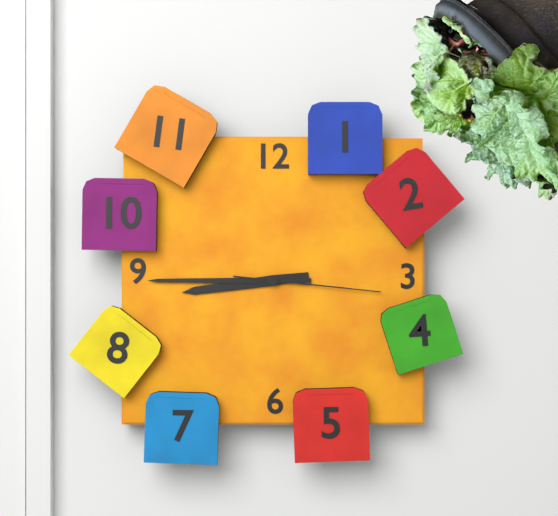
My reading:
8 h 45 min 16 s
